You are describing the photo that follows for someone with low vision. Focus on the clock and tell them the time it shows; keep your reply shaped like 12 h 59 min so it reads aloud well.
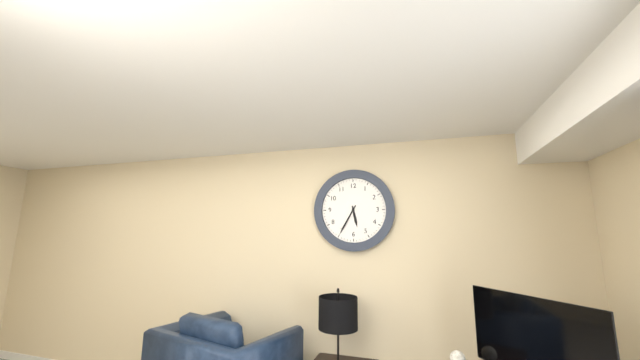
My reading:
5 h 35 min
